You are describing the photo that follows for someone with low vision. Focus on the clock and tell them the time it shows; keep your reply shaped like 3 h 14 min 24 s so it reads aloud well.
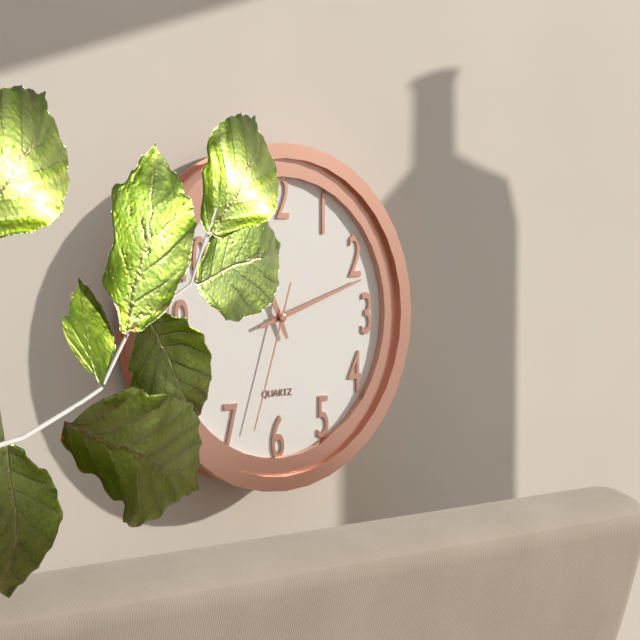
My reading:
11 h 12 min 33 s
